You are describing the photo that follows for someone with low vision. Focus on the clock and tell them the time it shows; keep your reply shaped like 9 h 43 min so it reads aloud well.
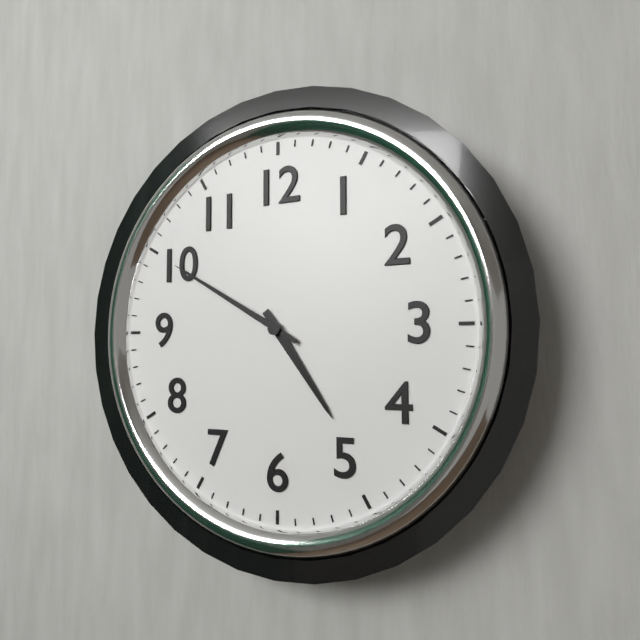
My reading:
4 h 50 min
